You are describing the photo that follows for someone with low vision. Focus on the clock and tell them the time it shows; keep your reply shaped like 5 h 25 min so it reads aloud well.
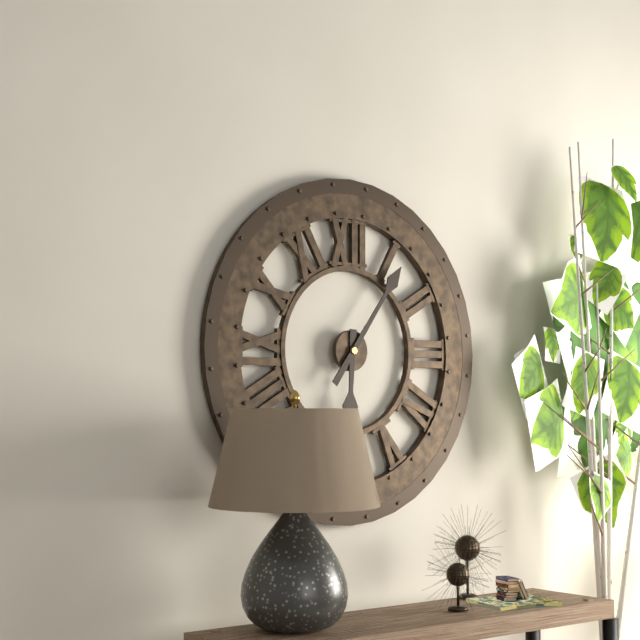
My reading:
6 h 06 min
